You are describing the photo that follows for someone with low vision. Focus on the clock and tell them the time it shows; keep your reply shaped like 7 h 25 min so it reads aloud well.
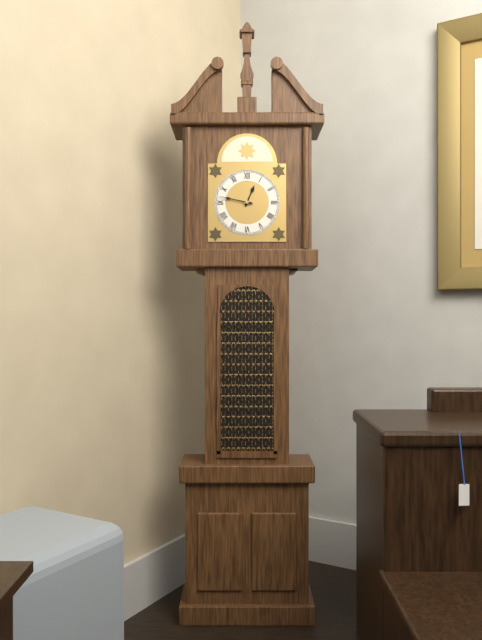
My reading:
12 h 47 min
